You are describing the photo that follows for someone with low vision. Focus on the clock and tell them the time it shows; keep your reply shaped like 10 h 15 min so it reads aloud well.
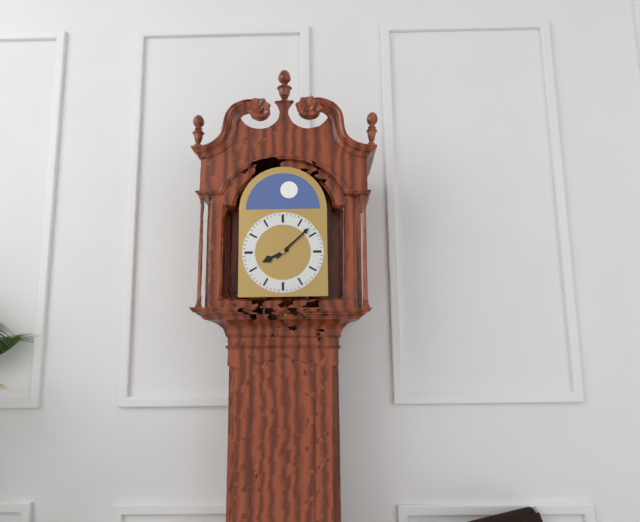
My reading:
8 h 08 min
